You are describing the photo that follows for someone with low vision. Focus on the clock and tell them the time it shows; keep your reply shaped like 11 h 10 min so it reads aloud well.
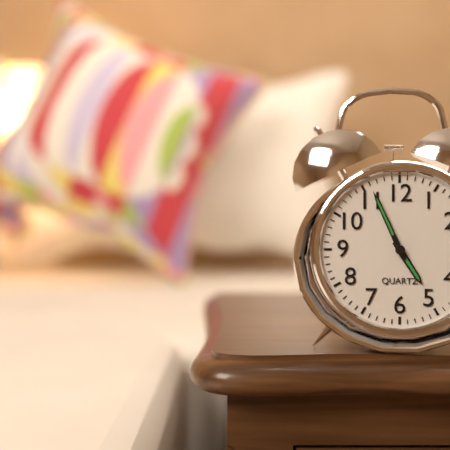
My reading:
4 h 56 min
